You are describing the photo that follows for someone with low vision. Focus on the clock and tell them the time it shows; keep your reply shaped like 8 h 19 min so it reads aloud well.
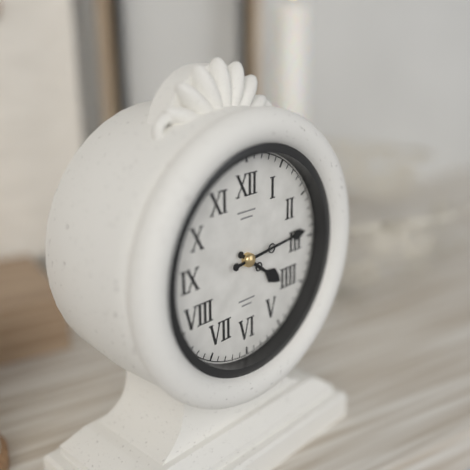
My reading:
4 h 14 min
